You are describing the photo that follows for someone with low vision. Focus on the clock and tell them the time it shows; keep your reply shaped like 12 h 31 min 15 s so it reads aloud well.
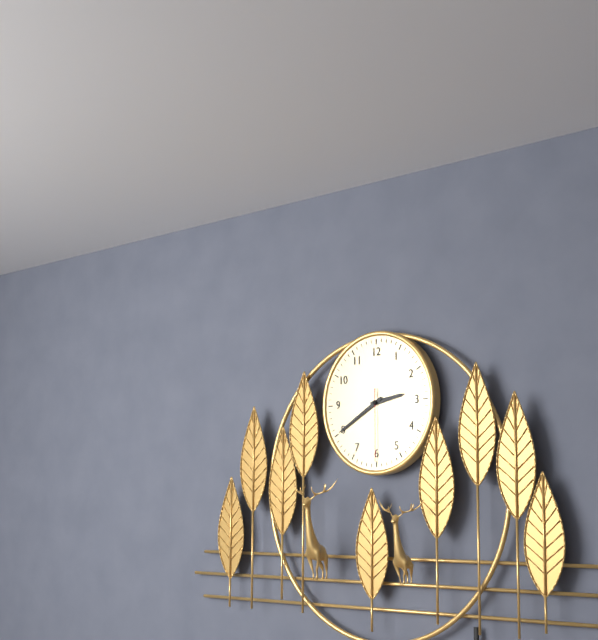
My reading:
2 h 40 min 30 s
